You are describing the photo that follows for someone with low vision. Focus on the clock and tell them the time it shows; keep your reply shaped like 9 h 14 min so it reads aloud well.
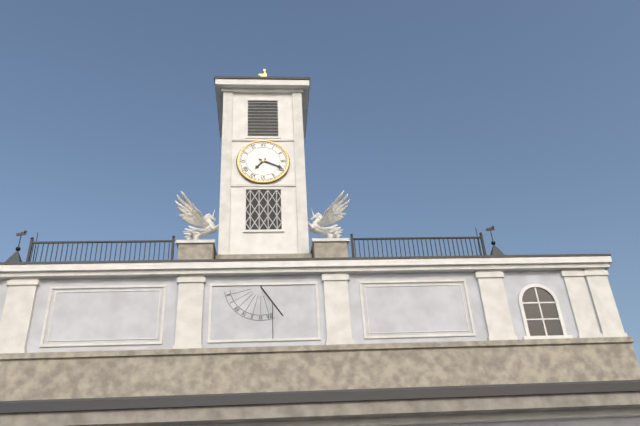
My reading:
7 h 19 min
